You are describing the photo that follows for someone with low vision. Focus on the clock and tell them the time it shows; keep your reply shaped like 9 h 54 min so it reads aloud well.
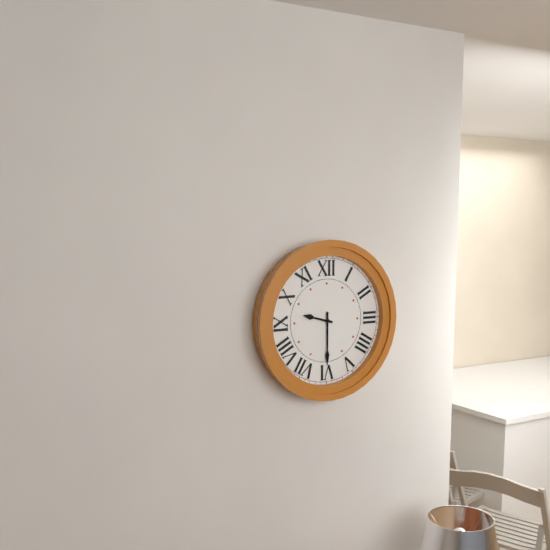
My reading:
9 h 30 min
